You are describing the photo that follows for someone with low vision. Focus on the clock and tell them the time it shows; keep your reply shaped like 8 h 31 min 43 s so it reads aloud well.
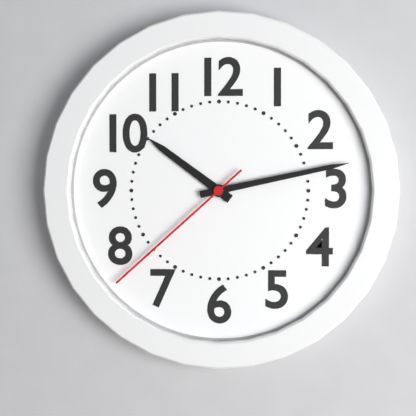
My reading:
10 h 13 min 38 s
